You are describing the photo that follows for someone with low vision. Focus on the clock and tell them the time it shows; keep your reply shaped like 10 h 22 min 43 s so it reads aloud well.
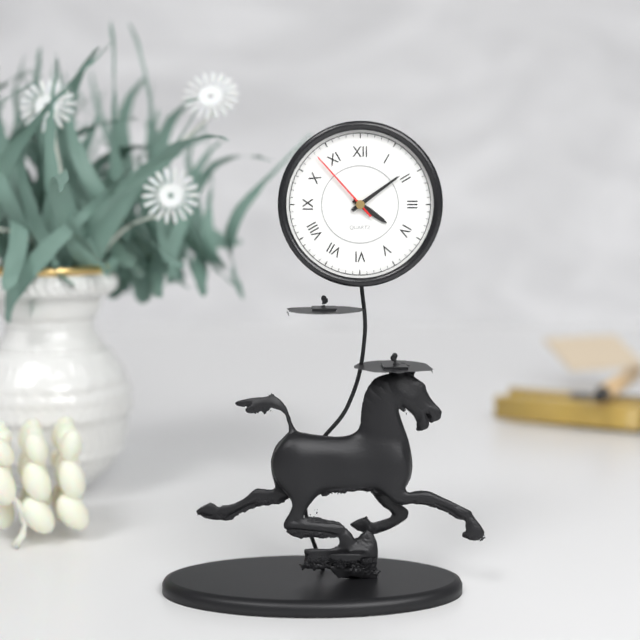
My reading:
4 h 09 min 53 s
